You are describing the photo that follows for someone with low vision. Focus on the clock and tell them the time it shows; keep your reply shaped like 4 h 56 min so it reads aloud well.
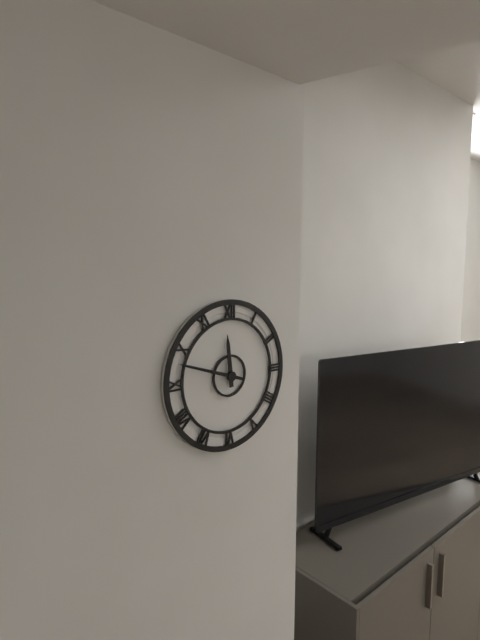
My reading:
11 h 48 min
